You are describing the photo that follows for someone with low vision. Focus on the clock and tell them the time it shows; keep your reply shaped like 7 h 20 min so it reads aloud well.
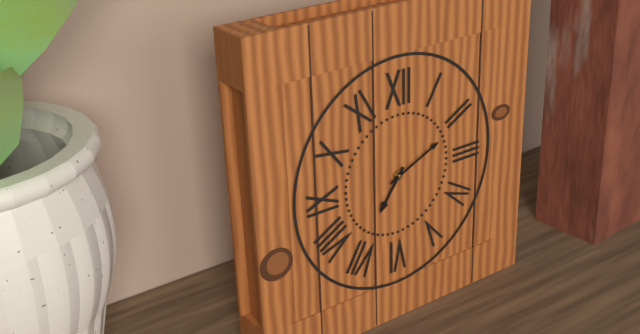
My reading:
7 h 11 min
